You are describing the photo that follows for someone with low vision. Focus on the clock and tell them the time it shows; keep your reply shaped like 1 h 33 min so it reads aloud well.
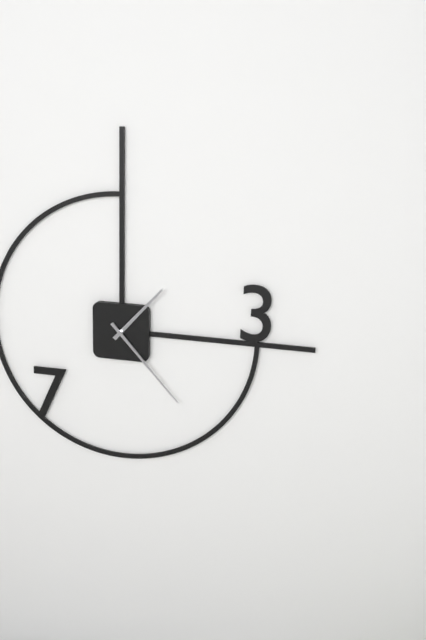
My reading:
1 h 23 min
